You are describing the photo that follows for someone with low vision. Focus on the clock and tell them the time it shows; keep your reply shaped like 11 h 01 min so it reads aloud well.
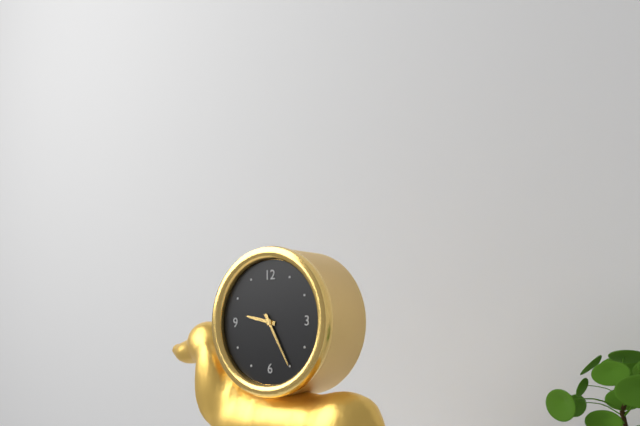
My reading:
9 h 25 min
